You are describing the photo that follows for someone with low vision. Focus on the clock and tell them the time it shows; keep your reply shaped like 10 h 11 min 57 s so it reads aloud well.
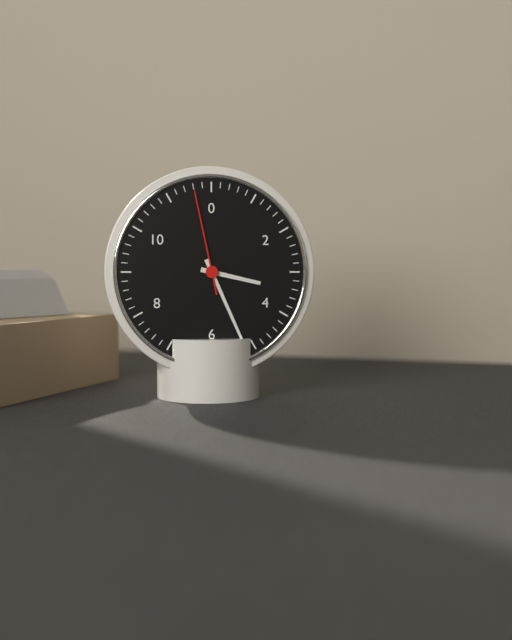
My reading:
3 h 26 min 58 s
